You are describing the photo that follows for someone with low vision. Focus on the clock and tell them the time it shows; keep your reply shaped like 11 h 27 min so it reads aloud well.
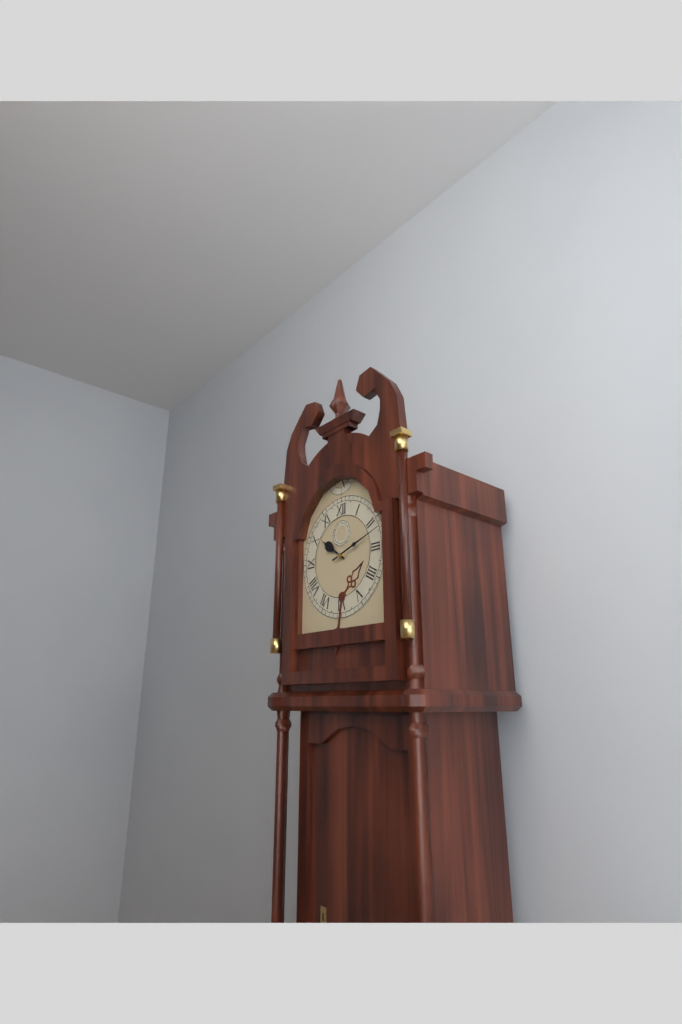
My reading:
10 h 12 min
